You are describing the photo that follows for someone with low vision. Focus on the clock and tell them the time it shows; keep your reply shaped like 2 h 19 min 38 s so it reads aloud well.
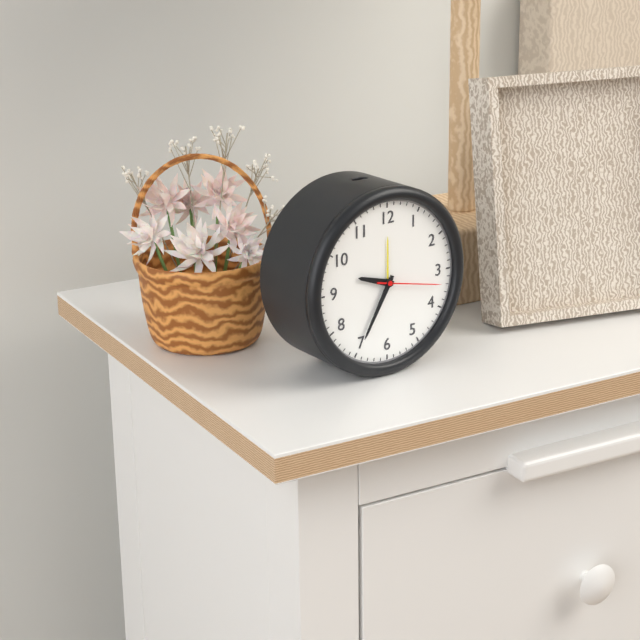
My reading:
9 h 35 min 17 s
